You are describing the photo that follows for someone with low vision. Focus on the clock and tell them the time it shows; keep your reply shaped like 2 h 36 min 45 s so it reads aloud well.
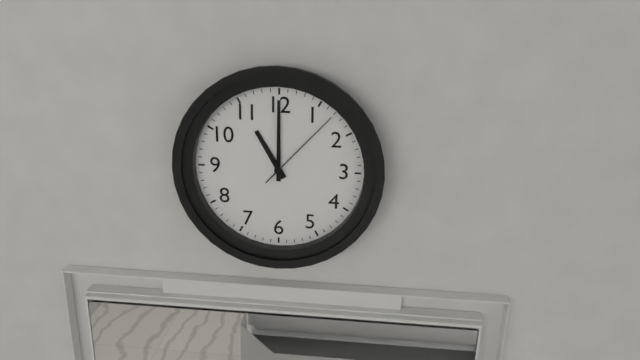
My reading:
11 h 00 min 07 s
